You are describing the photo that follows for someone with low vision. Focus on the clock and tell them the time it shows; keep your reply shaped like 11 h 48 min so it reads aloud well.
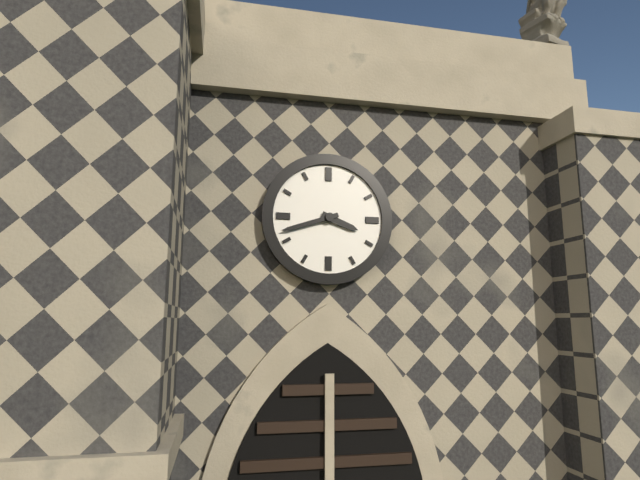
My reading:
3 h 42 min
